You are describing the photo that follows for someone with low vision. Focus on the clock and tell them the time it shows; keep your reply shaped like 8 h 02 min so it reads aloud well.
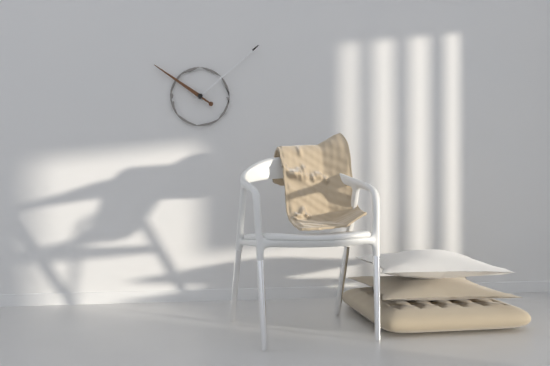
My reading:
10 h 08 min
